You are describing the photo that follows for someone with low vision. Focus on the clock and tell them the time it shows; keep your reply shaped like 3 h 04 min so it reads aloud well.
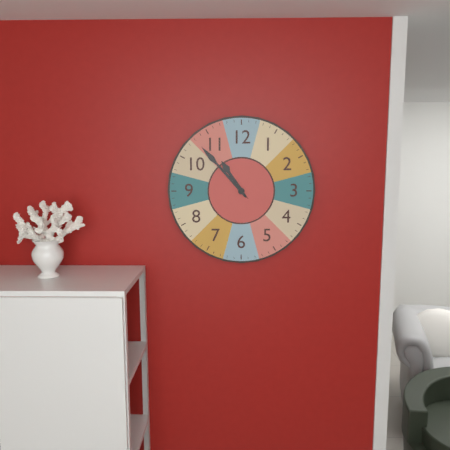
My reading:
10 h 53 min
